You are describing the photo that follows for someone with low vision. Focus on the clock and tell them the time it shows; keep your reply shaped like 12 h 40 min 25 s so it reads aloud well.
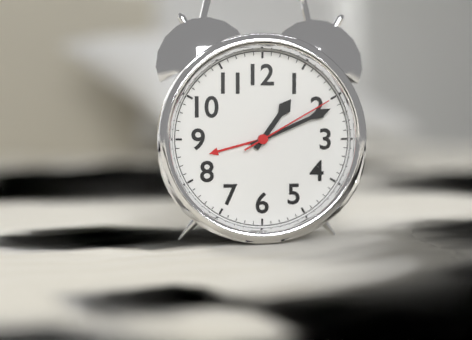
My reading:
1 h 11 min 10 s
